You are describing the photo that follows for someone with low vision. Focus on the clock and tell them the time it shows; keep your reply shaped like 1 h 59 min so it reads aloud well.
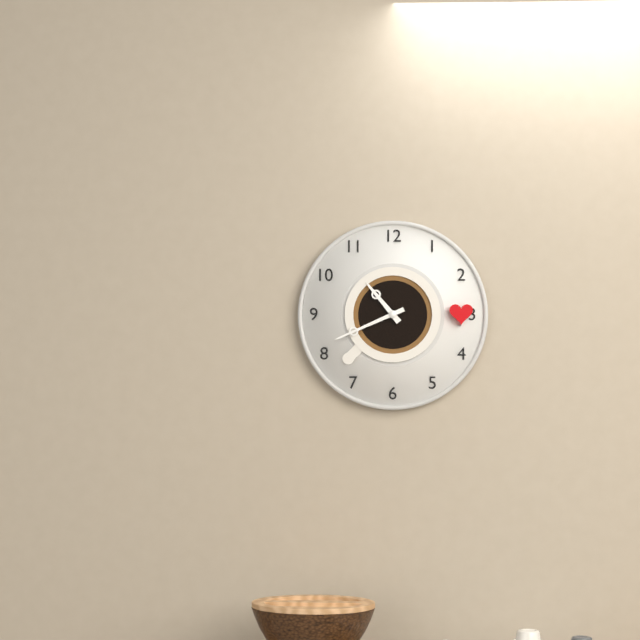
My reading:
10 h 41 min
